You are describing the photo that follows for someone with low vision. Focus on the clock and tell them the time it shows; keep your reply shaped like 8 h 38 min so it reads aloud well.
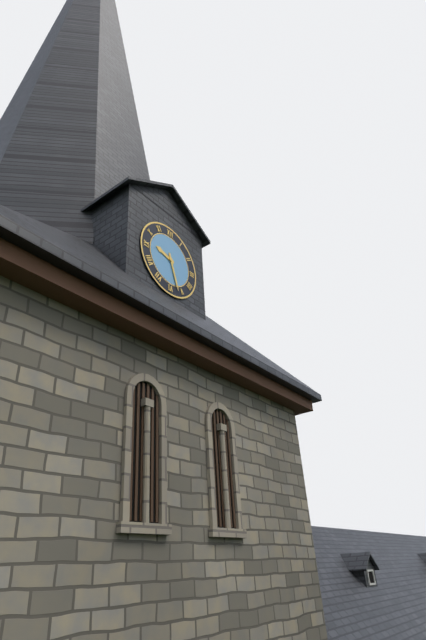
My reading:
9 h 27 min
